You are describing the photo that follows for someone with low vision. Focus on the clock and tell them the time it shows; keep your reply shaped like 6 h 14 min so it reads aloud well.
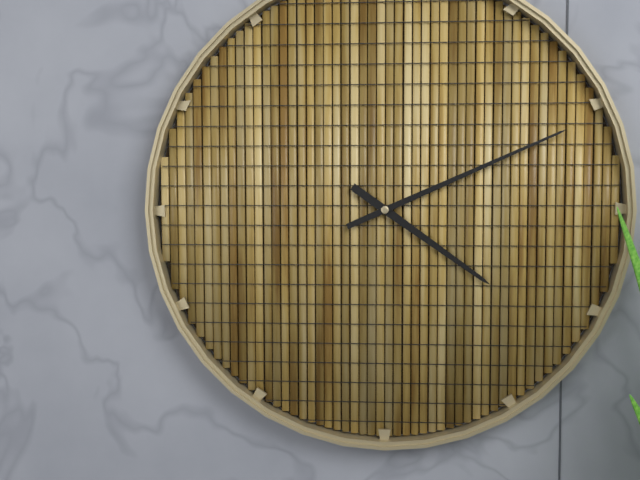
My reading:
4 h 11 min
